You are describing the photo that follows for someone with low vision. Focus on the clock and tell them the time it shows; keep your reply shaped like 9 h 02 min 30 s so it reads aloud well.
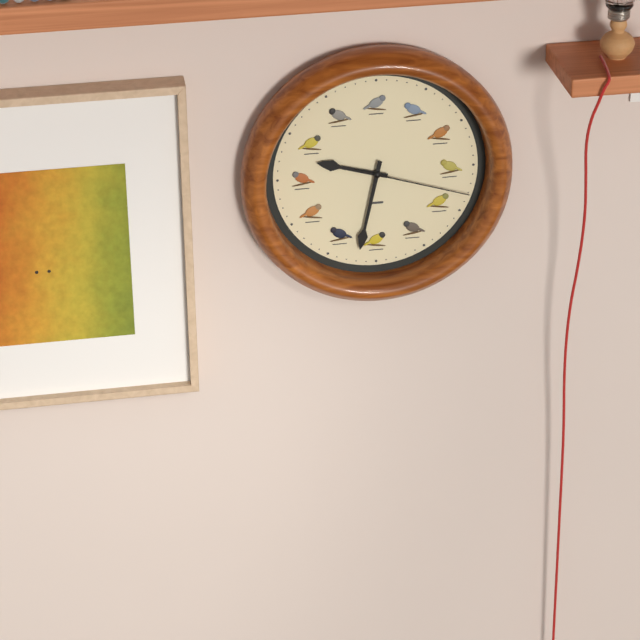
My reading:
9 h 32 min 18 s
